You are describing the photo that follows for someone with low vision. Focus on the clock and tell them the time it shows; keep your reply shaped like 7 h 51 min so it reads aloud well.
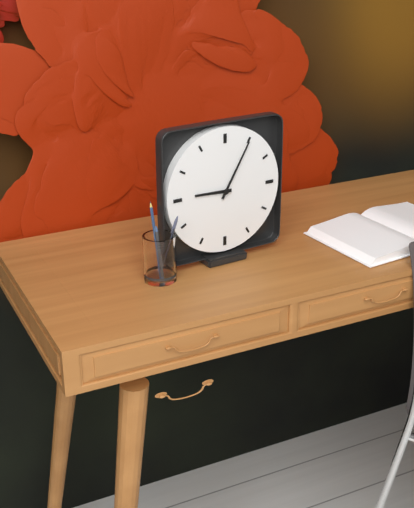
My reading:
9 h 05 min
